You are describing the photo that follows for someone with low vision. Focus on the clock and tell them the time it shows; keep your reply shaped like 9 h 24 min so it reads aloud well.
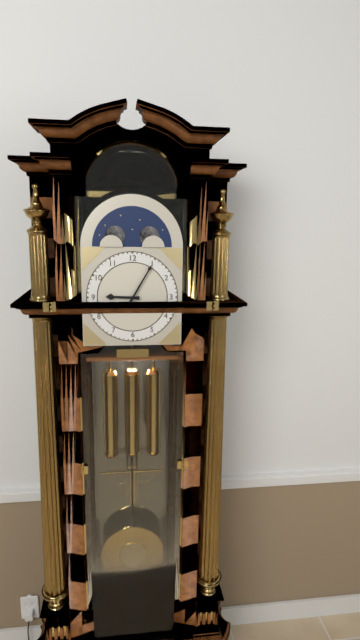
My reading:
9 h 05 min
